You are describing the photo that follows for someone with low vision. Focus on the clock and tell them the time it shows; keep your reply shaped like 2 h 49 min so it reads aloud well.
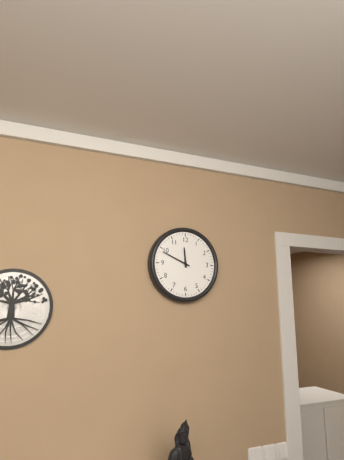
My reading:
11 h 49 min
